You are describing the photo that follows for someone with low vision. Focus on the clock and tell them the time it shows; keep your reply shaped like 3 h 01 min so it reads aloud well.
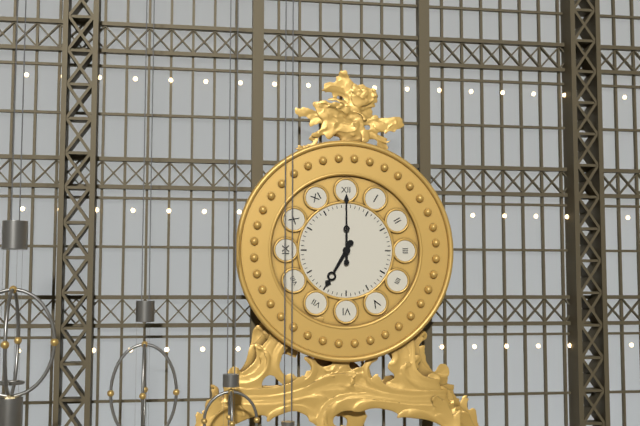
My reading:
7 h 00 min
